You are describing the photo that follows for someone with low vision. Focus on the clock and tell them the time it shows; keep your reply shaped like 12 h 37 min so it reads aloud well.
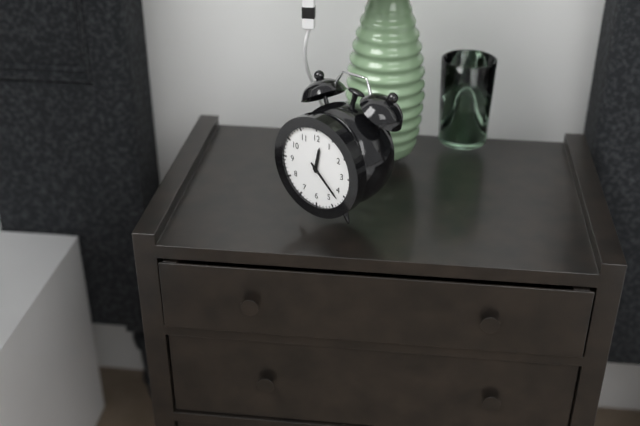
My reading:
12 h 22 min
